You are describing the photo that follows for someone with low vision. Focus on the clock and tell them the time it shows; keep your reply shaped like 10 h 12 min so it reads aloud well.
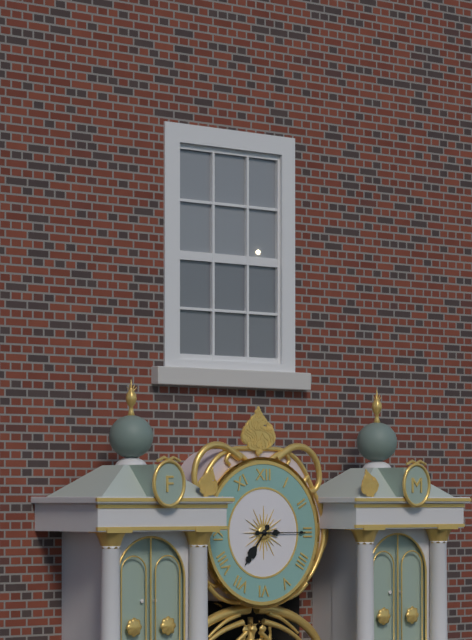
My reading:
7 h 15 min
